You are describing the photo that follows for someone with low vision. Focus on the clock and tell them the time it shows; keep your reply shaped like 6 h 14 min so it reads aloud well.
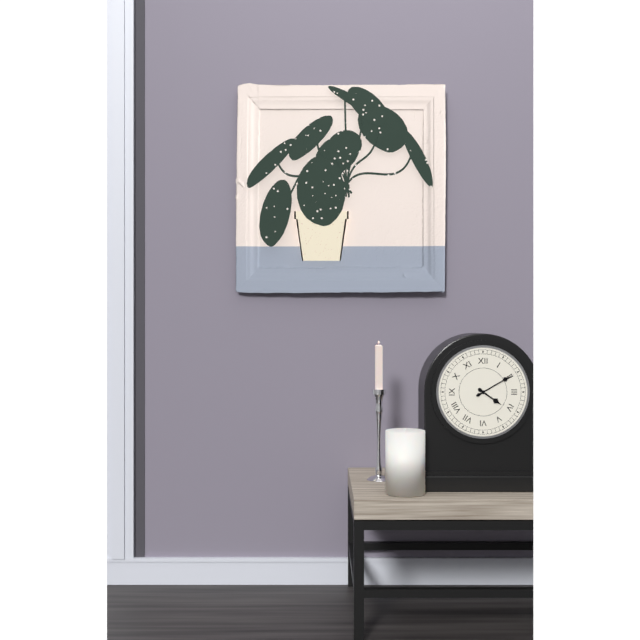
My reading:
4 h 10 min
